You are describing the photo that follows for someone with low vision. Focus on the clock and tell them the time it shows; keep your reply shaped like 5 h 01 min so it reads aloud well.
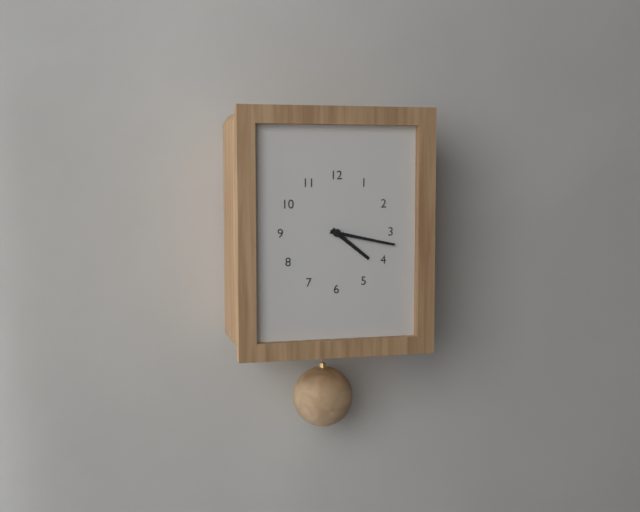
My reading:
4 h 17 min
